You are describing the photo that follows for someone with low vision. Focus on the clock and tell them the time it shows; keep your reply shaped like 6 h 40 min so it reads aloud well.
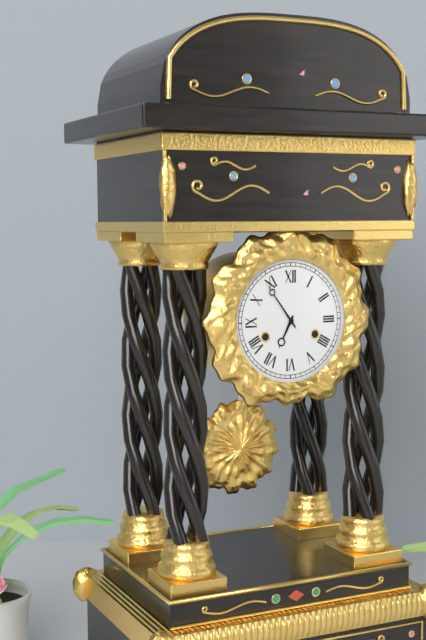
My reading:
6 h 54 min
